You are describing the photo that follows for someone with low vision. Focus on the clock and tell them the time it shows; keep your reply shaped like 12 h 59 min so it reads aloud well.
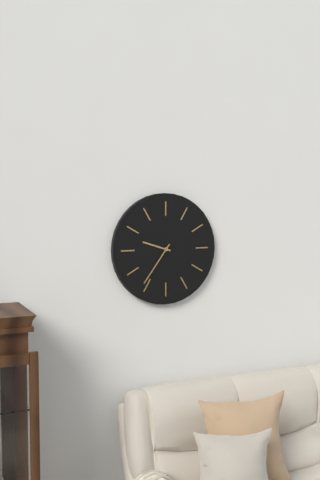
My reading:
9 h 36 min
